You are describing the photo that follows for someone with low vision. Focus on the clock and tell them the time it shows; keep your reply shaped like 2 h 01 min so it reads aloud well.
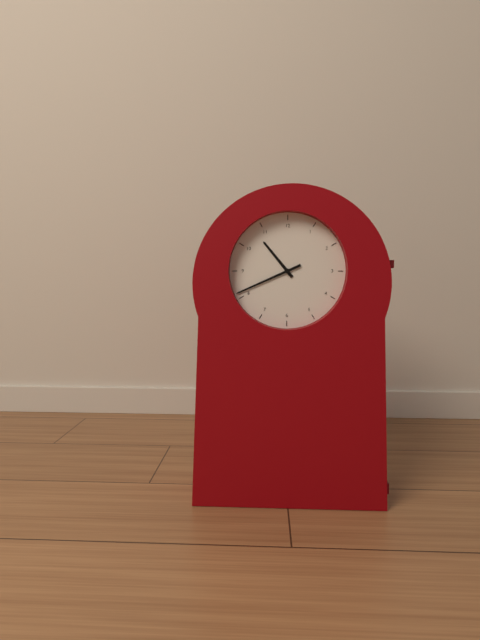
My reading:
10 h 41 min
